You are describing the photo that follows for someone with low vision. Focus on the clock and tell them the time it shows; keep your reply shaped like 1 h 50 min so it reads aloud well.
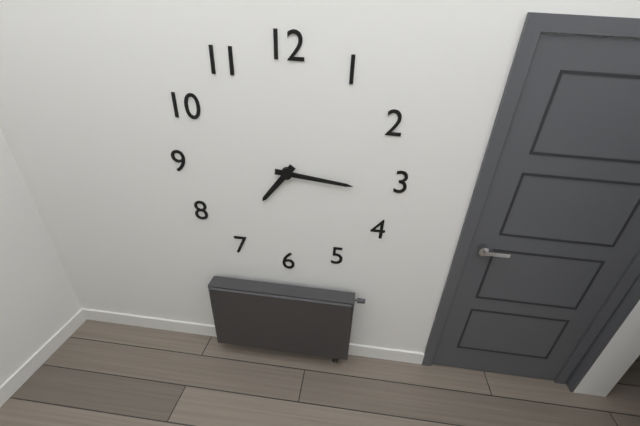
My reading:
7 h 16 min
